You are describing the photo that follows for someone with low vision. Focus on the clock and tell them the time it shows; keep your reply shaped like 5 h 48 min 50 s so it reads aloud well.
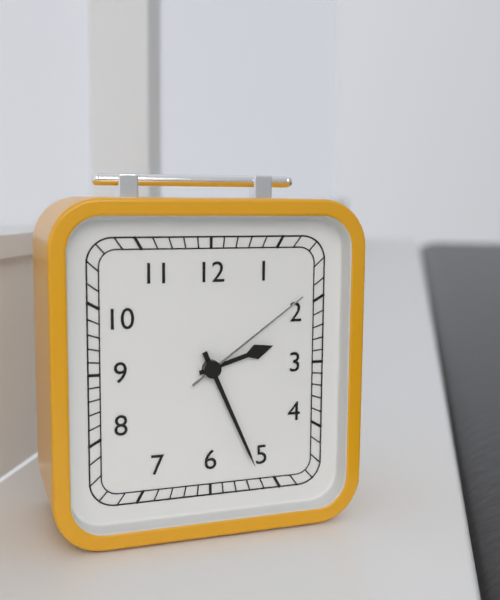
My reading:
2 h 26 min 09 s
